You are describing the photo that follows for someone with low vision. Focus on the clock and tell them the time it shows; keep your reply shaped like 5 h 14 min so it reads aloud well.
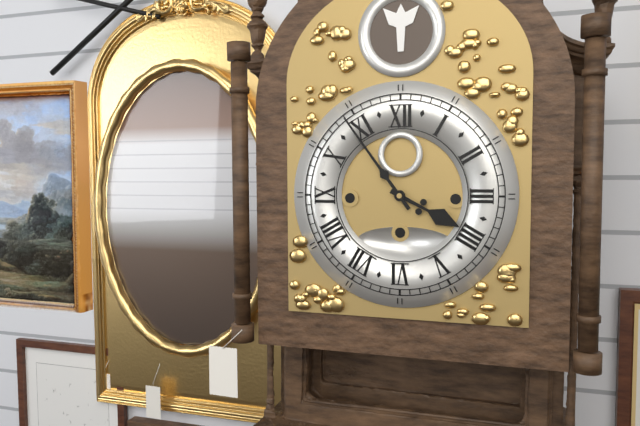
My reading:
3 h 54 min
